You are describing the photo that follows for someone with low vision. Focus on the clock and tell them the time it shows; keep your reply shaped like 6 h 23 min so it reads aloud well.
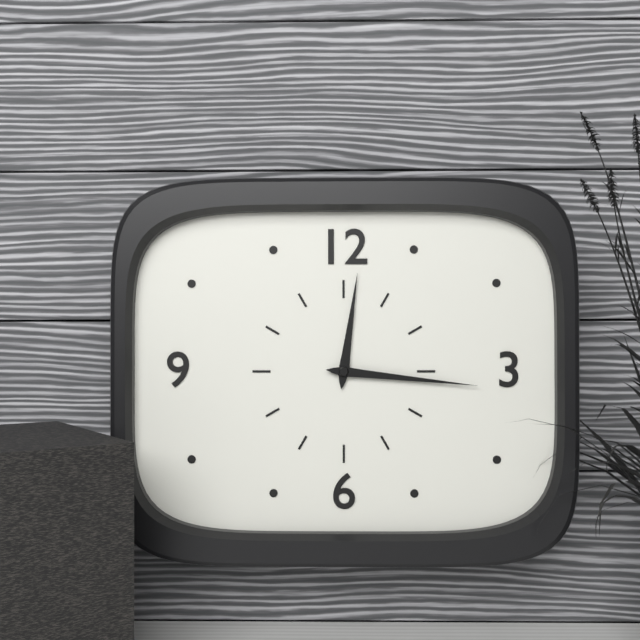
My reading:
12 h 16 min
